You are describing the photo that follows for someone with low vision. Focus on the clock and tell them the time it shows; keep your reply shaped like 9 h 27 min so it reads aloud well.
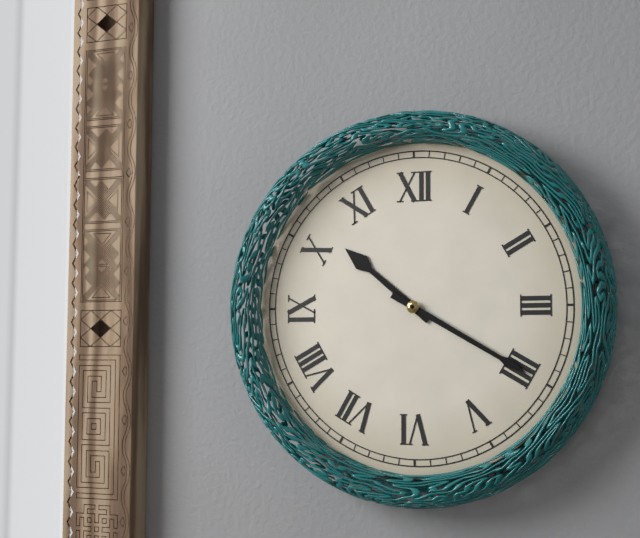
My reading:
10 h 20 min
